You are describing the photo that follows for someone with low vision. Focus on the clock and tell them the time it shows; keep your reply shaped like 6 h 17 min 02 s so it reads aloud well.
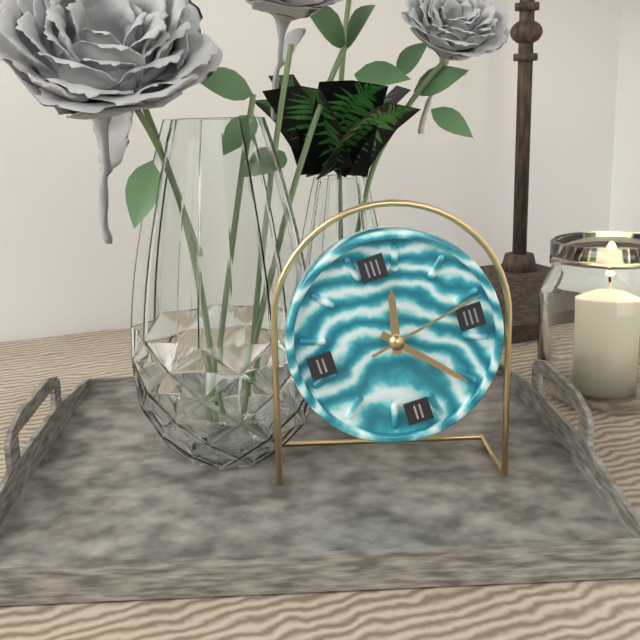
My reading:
12 h 23 min 13 s
